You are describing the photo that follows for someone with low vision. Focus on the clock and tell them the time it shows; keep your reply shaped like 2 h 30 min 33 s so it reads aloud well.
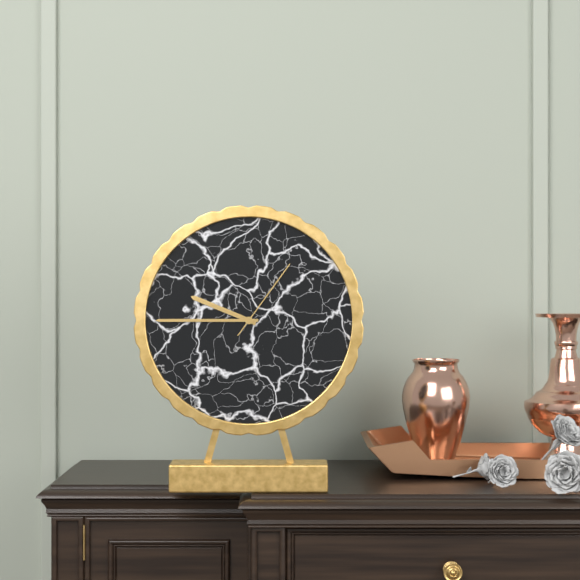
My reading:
9 h 45 min 06 s
